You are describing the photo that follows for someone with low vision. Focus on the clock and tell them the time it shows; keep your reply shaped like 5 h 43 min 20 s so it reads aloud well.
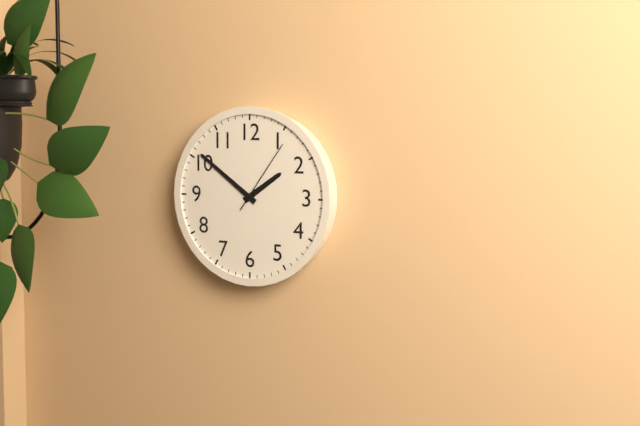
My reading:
1 h 51 min 06 s
